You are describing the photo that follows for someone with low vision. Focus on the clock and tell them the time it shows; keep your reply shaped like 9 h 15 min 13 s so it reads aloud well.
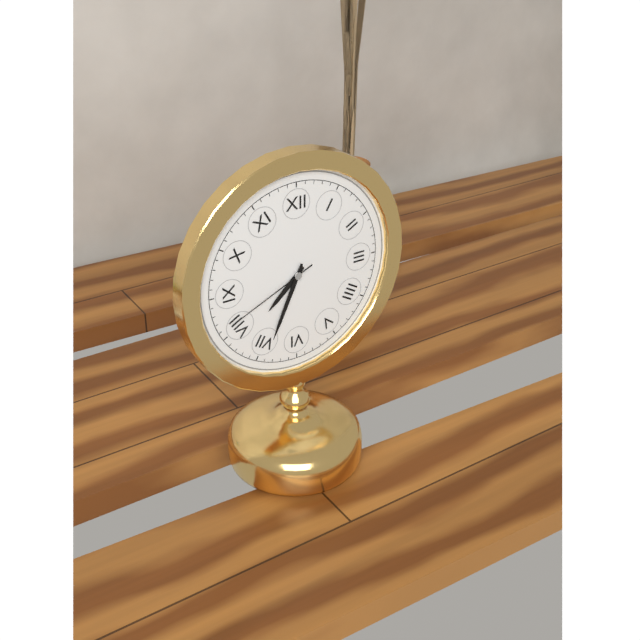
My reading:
7 h 34 min 41 s
